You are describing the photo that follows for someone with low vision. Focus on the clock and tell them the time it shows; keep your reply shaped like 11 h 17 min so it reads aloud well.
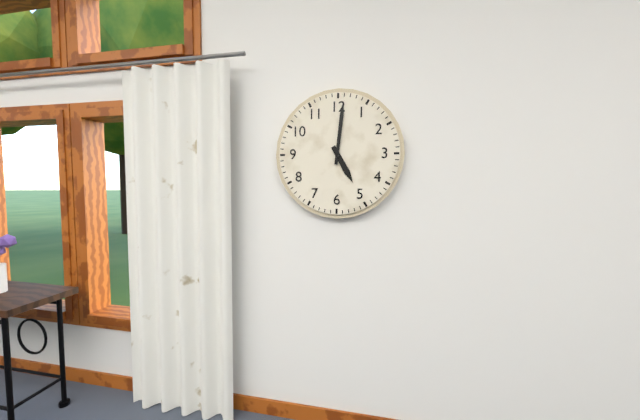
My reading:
5 h 01 min
